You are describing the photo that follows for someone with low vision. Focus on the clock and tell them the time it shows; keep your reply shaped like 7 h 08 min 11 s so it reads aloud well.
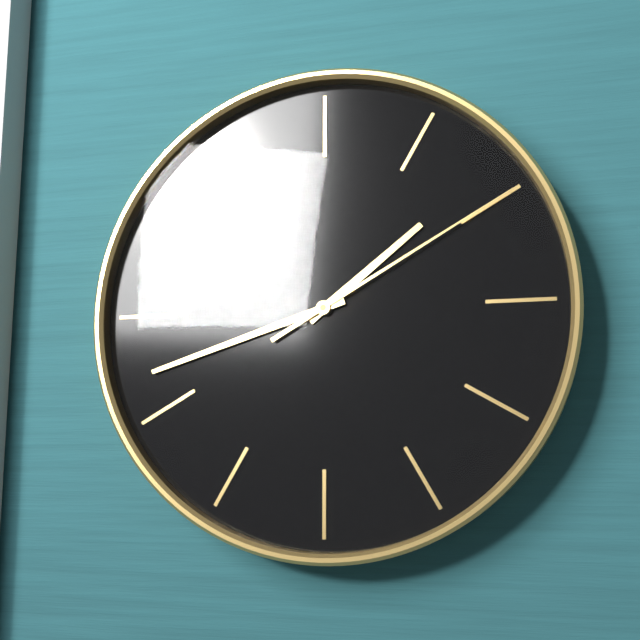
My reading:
1 h 42 min 10 s
